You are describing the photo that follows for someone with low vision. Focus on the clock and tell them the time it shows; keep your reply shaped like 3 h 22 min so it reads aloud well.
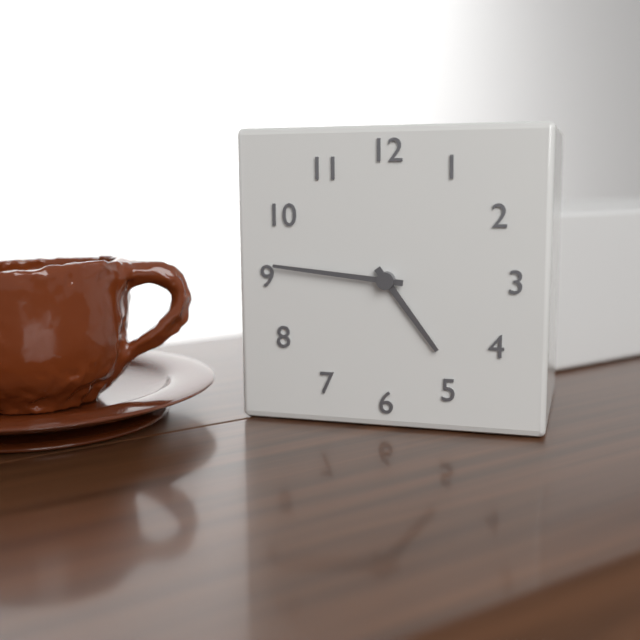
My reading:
4 h 46 min
